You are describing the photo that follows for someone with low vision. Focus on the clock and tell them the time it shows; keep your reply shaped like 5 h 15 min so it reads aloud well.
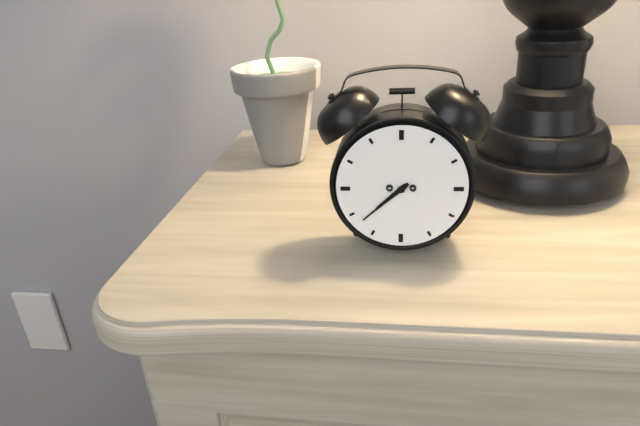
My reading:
7 h 38 min
